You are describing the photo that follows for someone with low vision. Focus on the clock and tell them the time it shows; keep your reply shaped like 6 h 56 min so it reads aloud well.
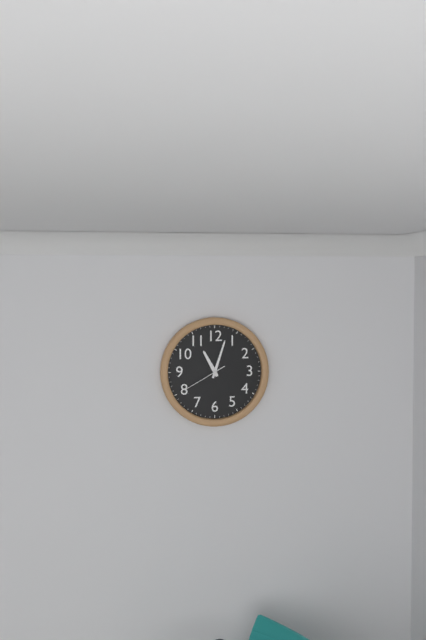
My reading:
11 h 03 min
